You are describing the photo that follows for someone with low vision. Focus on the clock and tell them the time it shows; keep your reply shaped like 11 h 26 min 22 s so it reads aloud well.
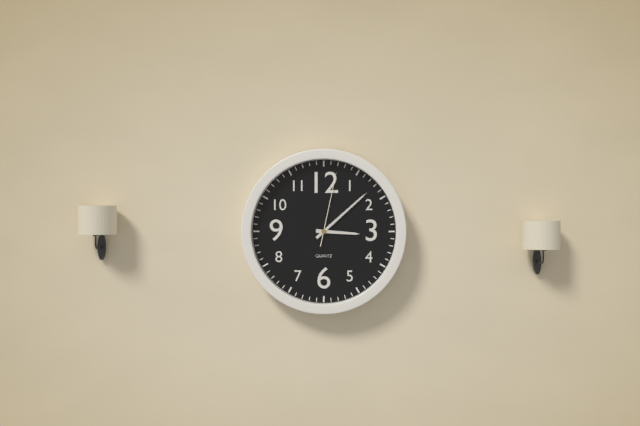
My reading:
3 h 08 min 02 s
